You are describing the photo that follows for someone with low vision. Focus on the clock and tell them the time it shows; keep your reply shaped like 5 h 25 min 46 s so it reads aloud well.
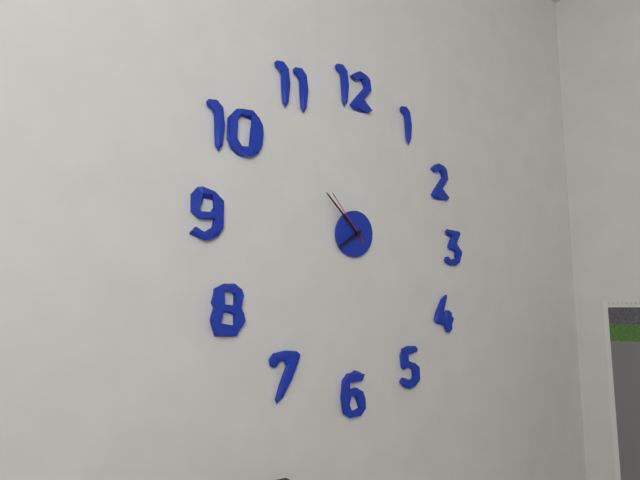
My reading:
7 h 52 min 53 s
